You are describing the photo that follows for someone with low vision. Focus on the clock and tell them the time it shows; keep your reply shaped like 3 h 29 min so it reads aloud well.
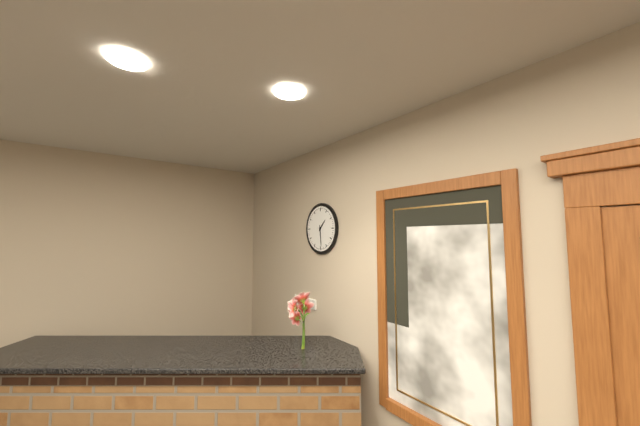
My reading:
1 h 29 min
